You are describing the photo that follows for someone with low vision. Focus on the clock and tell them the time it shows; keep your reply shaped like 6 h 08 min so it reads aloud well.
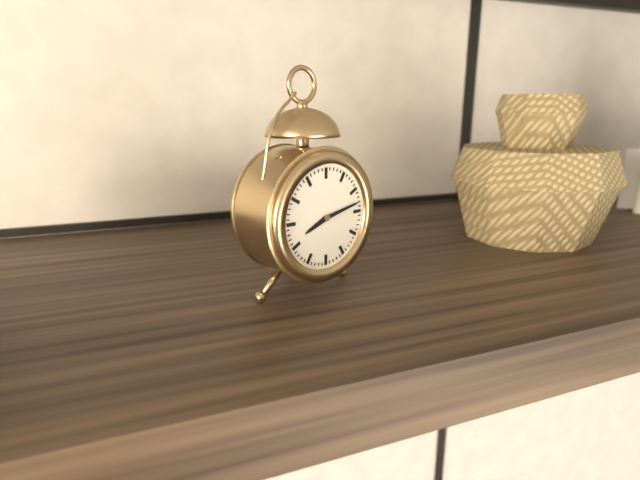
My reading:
8 h 13 min
